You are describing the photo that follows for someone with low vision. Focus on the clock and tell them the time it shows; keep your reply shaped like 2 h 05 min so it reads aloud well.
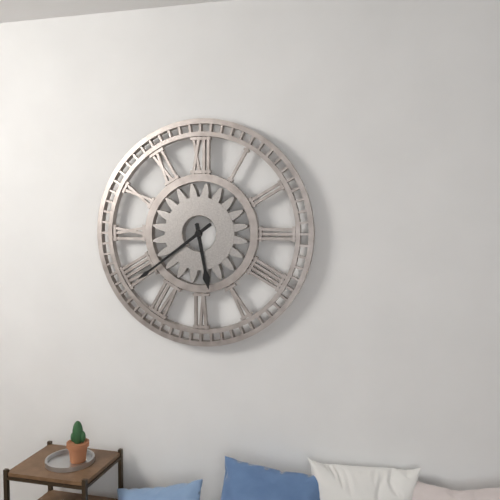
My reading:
5 h 39 min
